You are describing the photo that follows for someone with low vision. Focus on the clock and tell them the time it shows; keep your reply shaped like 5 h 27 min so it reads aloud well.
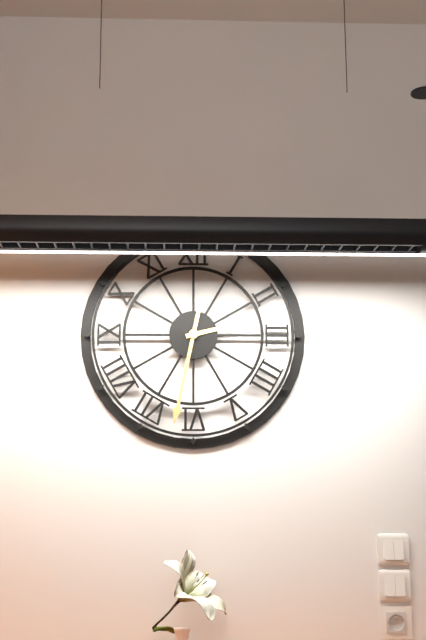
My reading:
2 h 32 min
